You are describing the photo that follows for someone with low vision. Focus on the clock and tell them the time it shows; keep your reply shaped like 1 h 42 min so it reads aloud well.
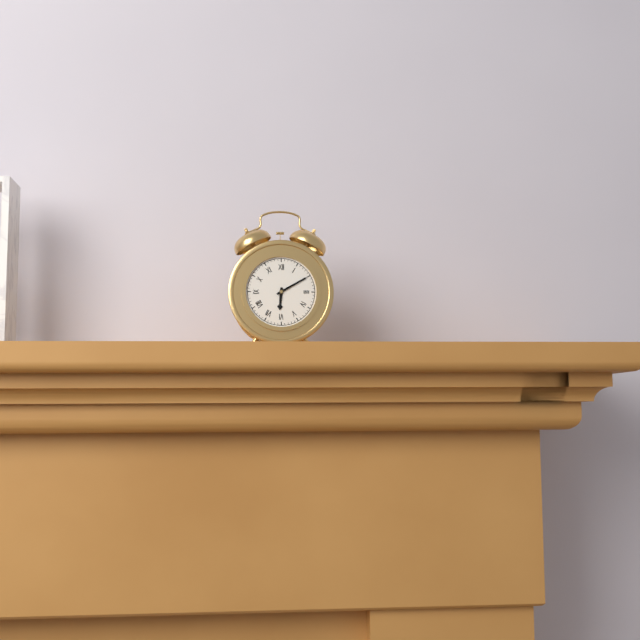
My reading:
6 h 10 min
